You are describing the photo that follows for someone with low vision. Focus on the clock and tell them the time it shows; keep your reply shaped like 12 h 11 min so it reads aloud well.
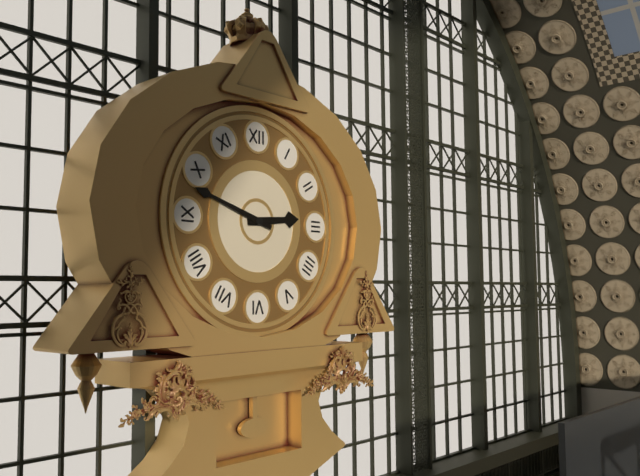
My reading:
2 h 48 min
